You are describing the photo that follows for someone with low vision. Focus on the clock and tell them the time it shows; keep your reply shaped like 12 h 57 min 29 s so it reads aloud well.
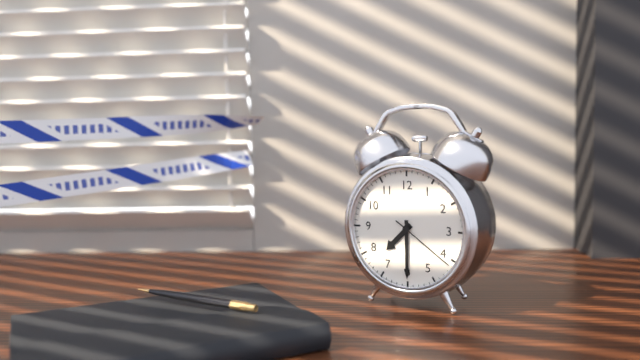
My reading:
7 h 30 min 21 s
